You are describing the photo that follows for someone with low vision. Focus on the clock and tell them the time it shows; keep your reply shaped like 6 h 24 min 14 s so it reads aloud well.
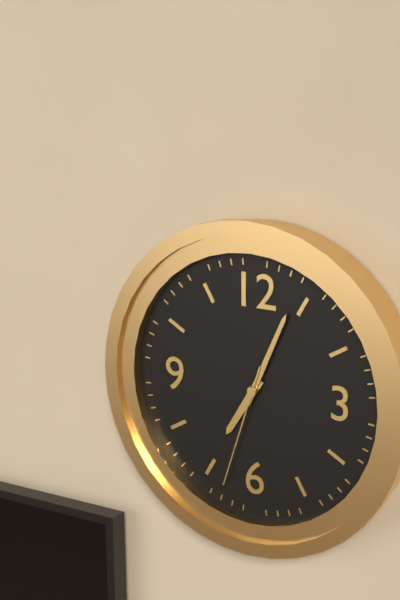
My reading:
7 h 04 min 33 s
